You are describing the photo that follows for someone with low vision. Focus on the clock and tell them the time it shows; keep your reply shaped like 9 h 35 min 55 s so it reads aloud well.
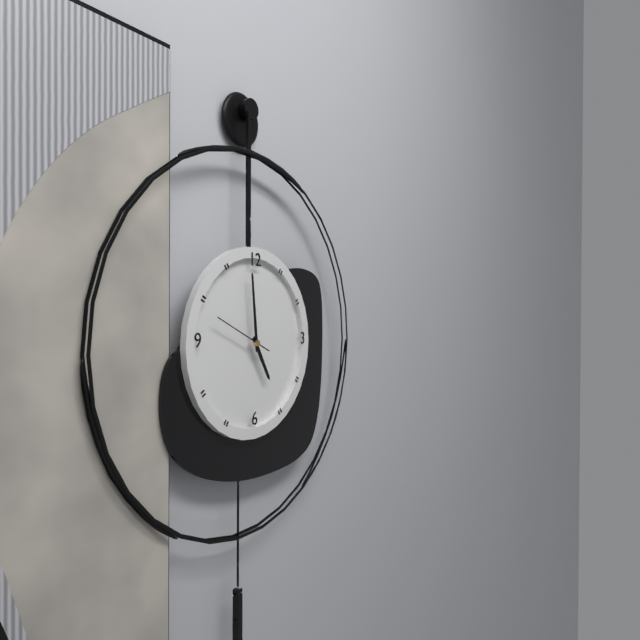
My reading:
4 h 59 min 49 s
